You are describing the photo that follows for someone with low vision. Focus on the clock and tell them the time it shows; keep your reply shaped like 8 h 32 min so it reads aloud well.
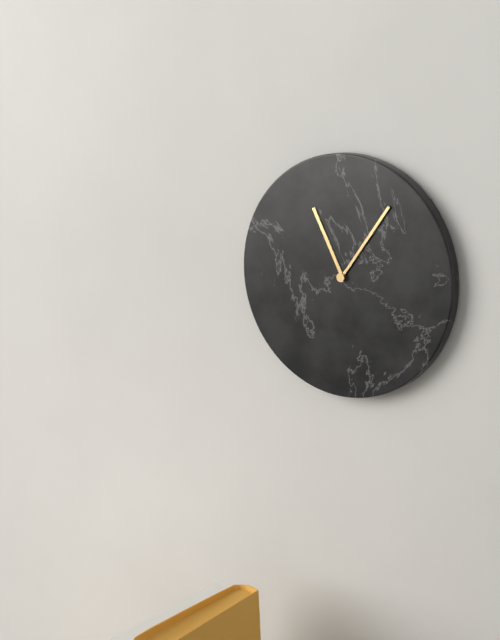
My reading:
11 h 06 min
